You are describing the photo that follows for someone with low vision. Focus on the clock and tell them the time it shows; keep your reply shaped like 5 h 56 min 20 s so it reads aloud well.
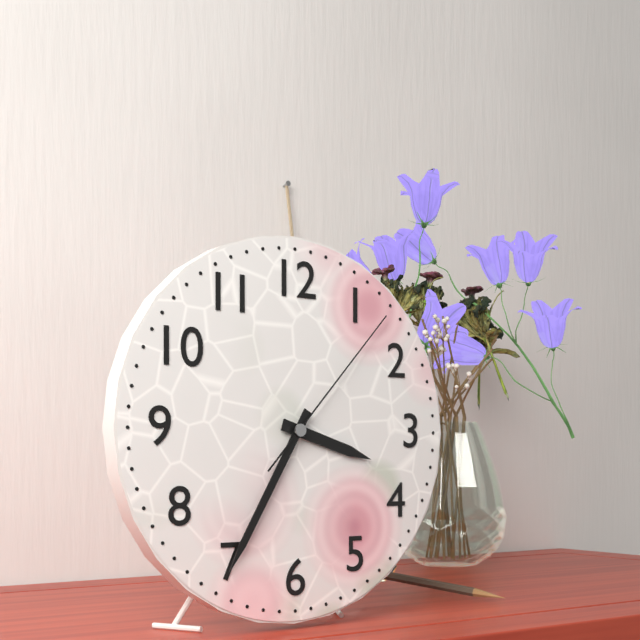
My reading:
3 h 35 min 07 s
